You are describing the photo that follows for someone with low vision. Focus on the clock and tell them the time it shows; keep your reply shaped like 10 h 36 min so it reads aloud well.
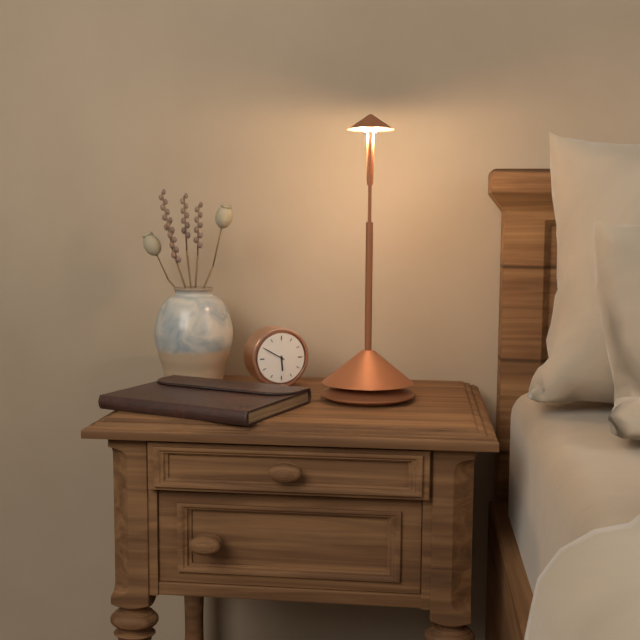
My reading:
5 h 50 min
